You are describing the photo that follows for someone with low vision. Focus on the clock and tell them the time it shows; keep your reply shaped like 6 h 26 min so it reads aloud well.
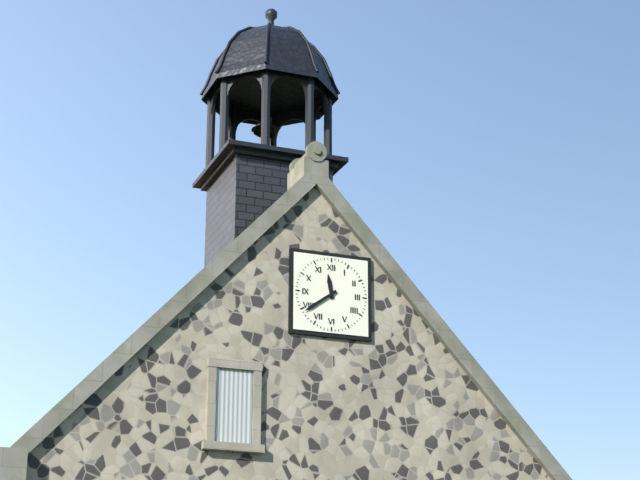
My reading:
11 h 39 min
